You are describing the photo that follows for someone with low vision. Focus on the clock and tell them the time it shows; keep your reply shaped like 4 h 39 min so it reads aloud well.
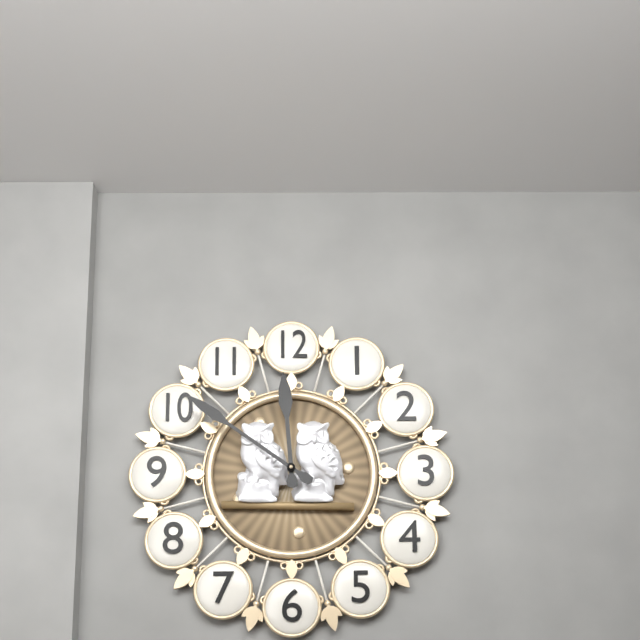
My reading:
11 h 51 min
